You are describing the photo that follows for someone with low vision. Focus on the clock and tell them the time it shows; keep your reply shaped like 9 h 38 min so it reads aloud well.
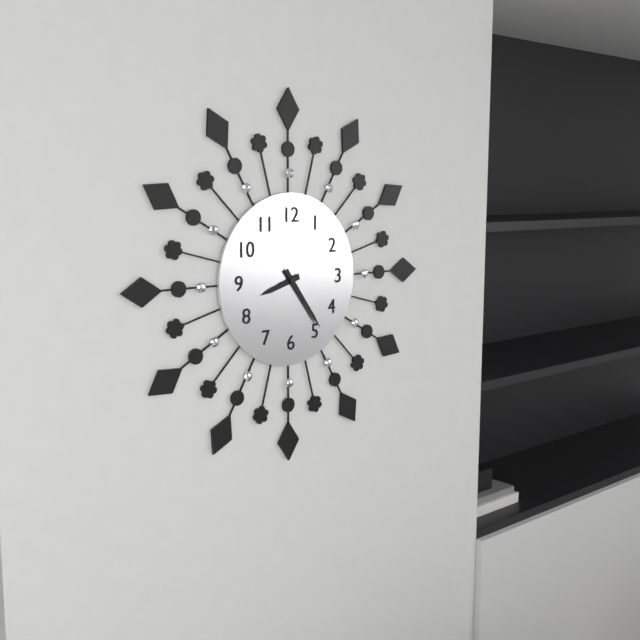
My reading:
8 h 24 min
